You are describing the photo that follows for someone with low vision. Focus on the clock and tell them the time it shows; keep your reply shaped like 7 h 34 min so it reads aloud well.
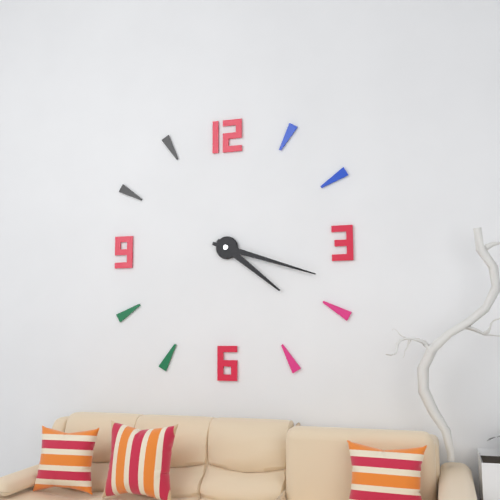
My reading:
4 h 18 min
